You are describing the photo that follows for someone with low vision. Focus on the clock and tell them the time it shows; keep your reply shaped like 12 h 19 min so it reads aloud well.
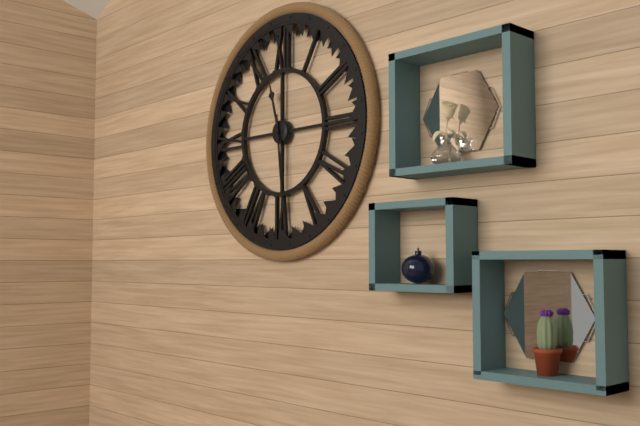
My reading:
11 h 29 min
